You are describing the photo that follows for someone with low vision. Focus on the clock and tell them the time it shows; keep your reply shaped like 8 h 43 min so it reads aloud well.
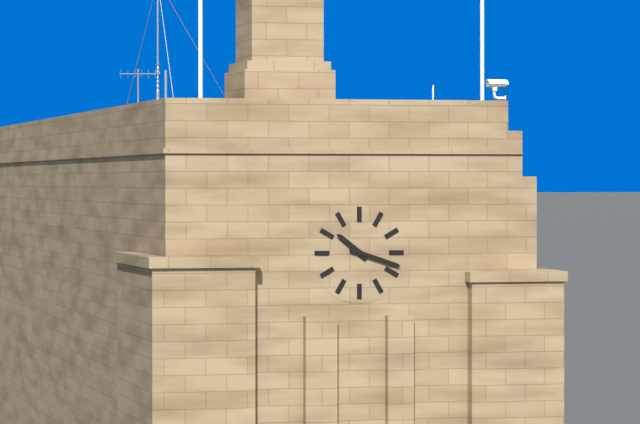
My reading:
10 h 18 min
